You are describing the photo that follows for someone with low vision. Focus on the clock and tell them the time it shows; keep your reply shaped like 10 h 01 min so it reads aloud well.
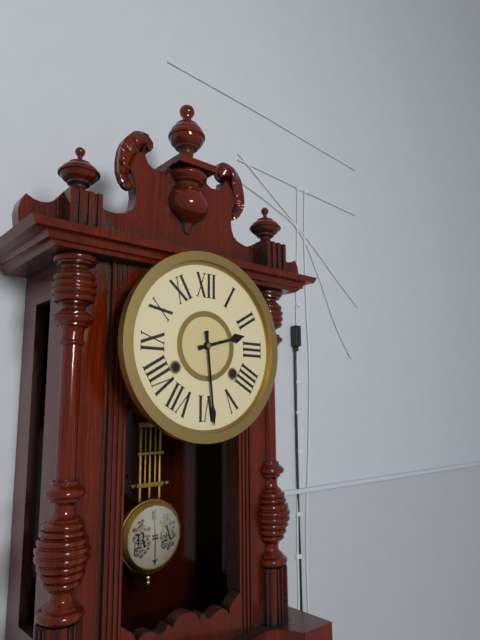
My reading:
2 h 29 min
